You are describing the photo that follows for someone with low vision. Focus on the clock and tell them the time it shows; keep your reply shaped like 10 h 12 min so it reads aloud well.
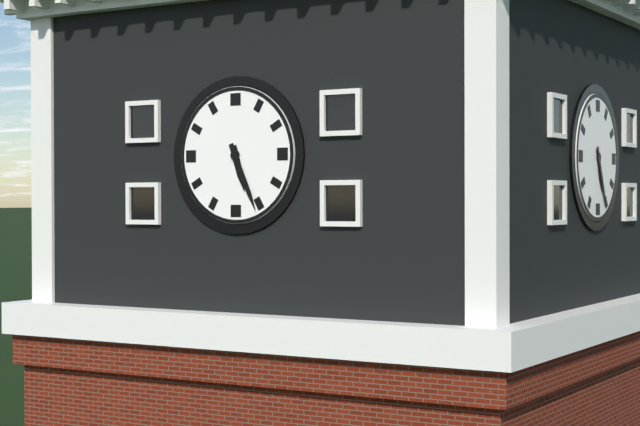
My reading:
5 h 26 min
